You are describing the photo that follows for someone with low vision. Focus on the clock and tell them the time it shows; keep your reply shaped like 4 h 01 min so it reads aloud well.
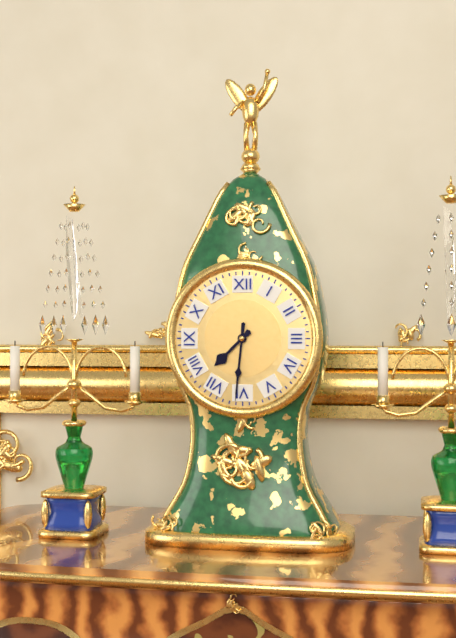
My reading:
7 h 31 min
